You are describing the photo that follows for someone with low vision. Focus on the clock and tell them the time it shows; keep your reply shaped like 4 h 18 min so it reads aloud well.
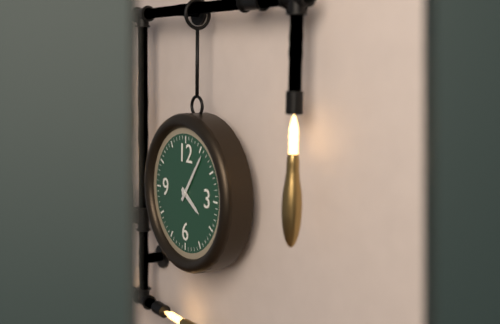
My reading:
4 h 06 min
